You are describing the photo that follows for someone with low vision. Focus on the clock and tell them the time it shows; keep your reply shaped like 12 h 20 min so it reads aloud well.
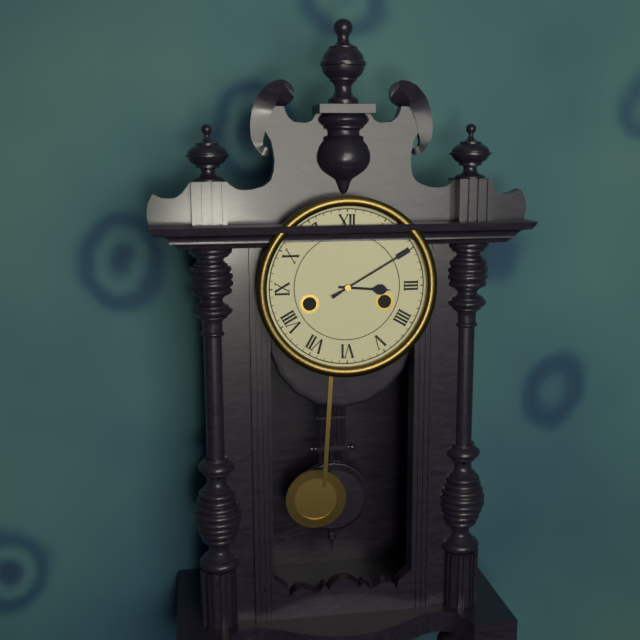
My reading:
3 h 10 min
